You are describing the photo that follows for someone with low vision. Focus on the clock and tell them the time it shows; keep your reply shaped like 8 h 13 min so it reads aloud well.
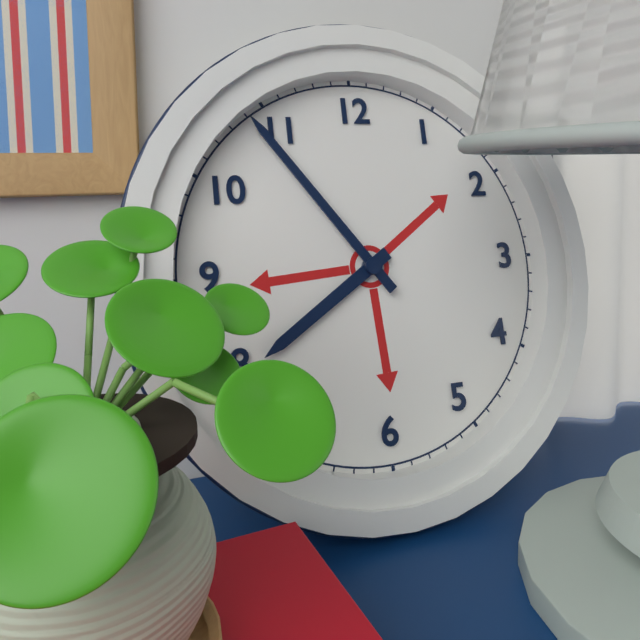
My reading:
7 h 54 min
